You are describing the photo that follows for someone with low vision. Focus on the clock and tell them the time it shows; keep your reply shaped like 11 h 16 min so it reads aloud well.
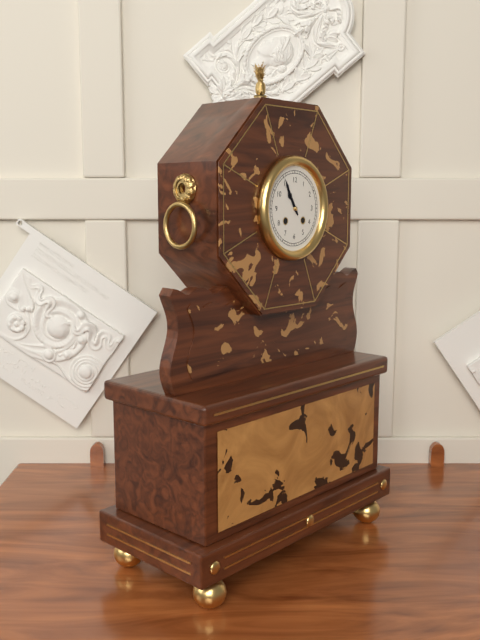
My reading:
10 h 55 min
